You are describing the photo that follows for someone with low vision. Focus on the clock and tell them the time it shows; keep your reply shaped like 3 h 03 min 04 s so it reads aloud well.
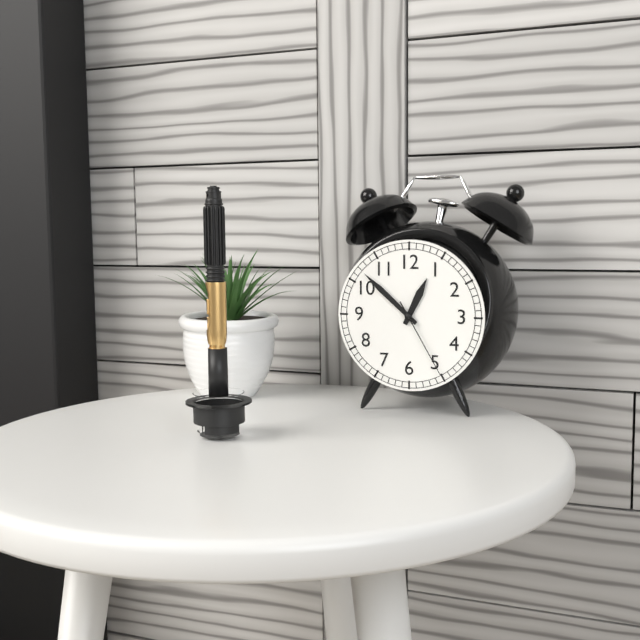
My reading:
12 h 52 min 25 s
